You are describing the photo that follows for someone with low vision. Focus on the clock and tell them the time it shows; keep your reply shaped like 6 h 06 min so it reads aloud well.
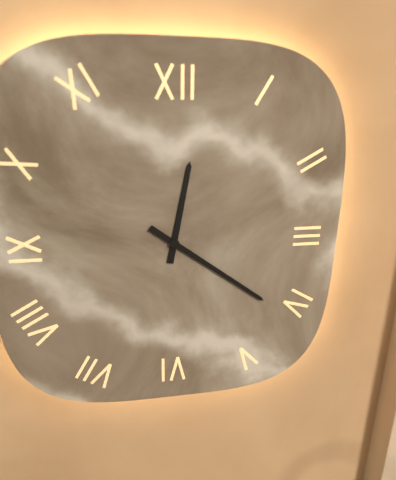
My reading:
12 h 21 min
